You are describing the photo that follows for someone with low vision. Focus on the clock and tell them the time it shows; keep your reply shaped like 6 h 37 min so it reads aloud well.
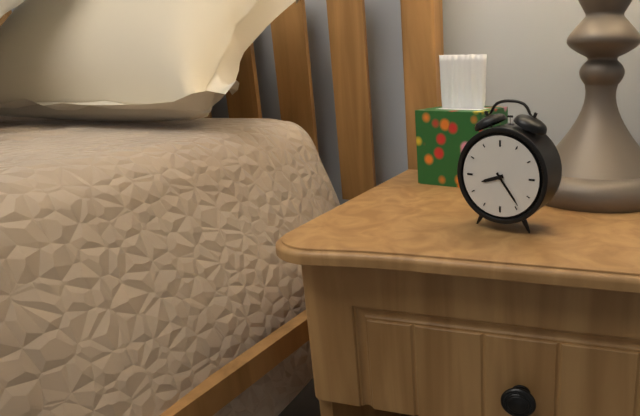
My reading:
8 h 24 min
